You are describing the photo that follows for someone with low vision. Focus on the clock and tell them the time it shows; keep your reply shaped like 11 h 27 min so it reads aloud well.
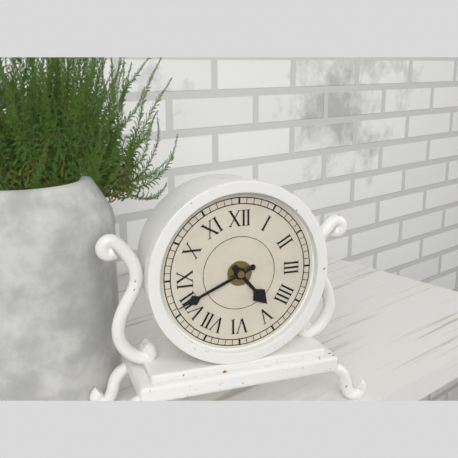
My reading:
4 h 41 min
